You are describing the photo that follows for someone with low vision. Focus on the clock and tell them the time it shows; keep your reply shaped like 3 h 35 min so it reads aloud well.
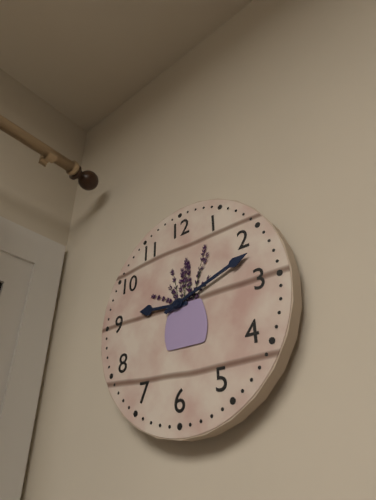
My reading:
9 h 12 min
